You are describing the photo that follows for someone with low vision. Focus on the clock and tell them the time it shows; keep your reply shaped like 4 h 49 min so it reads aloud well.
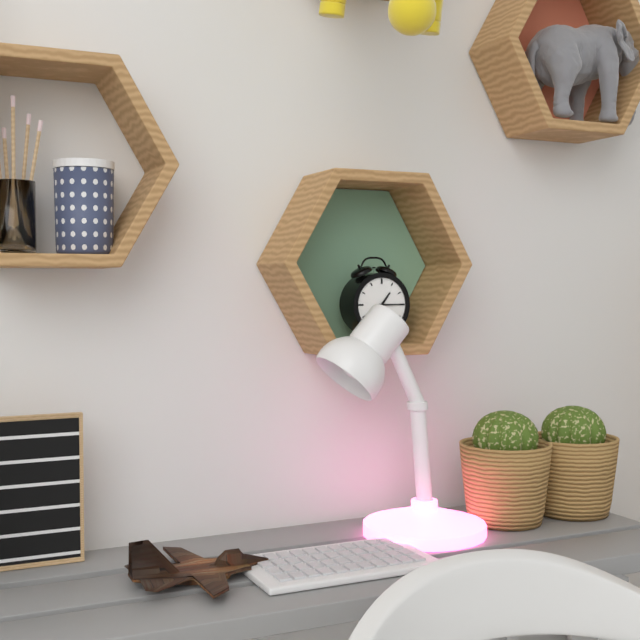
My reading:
1 h 15 min
